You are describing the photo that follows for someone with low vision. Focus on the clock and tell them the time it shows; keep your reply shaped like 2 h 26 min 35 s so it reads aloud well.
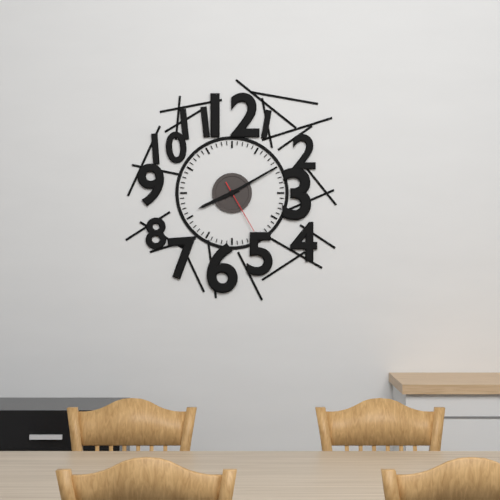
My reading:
8 h 10 min 25 s
